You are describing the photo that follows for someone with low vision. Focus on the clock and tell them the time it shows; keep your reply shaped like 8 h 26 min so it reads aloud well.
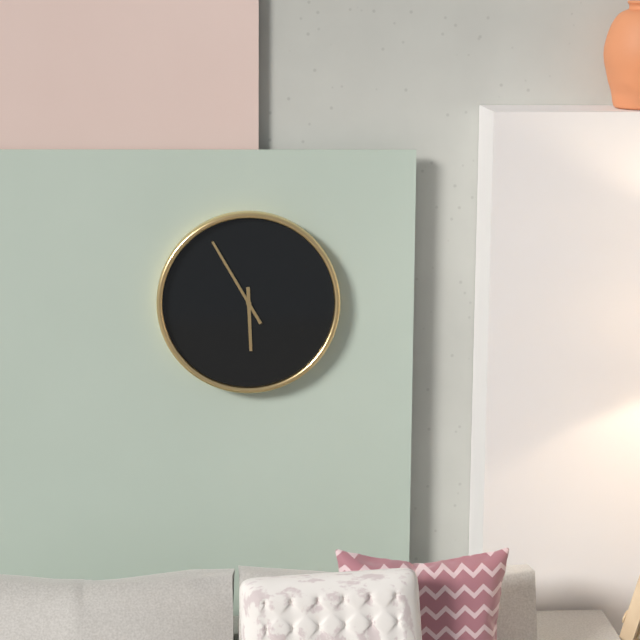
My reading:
5 h 55 min
